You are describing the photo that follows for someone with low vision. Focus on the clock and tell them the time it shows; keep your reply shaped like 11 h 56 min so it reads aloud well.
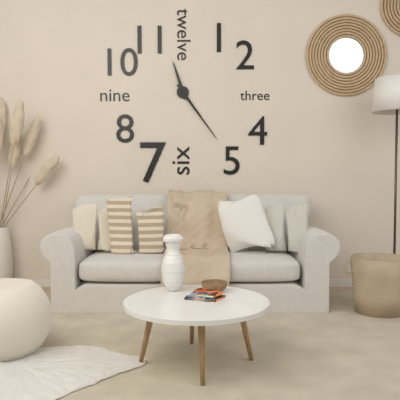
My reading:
11 h 24 min
